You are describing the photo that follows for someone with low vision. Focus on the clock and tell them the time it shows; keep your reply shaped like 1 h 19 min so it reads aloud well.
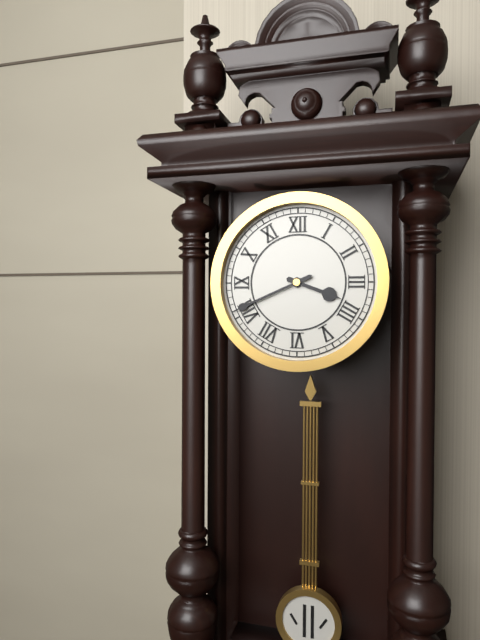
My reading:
3 h 41 min
